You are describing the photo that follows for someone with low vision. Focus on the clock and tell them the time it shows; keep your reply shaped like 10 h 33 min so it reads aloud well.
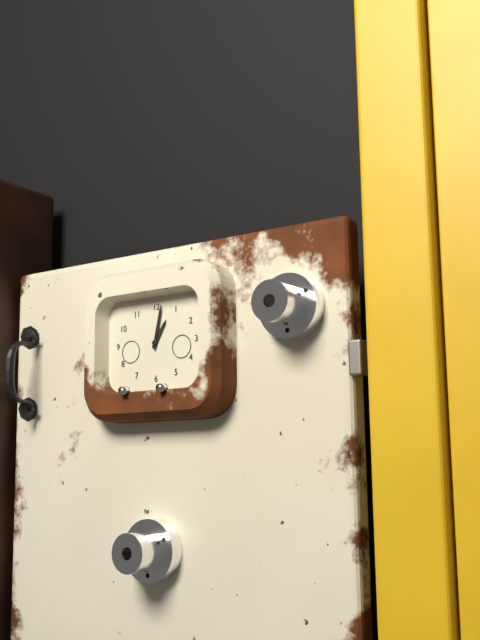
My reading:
1 h 02 min
